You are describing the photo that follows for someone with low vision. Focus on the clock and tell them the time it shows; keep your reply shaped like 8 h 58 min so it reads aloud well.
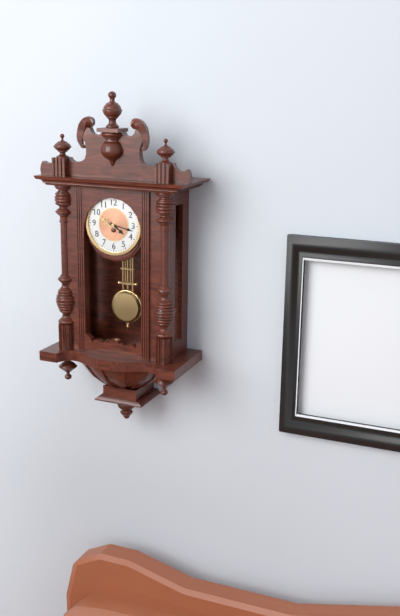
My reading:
4 h 17 min
